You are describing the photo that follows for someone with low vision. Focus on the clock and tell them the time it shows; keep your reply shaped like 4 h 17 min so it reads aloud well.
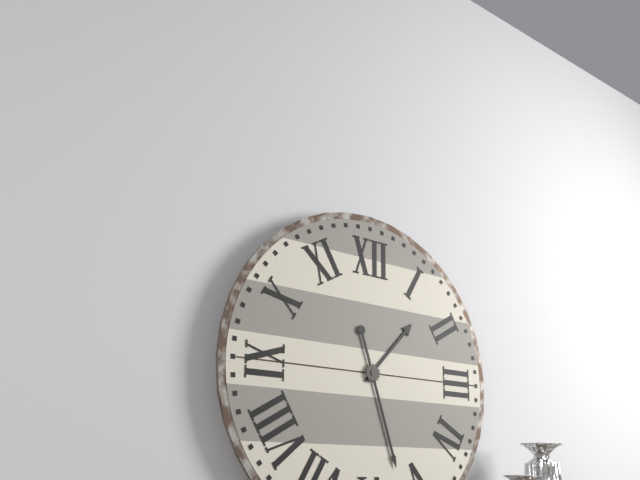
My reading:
1 h 27 min
